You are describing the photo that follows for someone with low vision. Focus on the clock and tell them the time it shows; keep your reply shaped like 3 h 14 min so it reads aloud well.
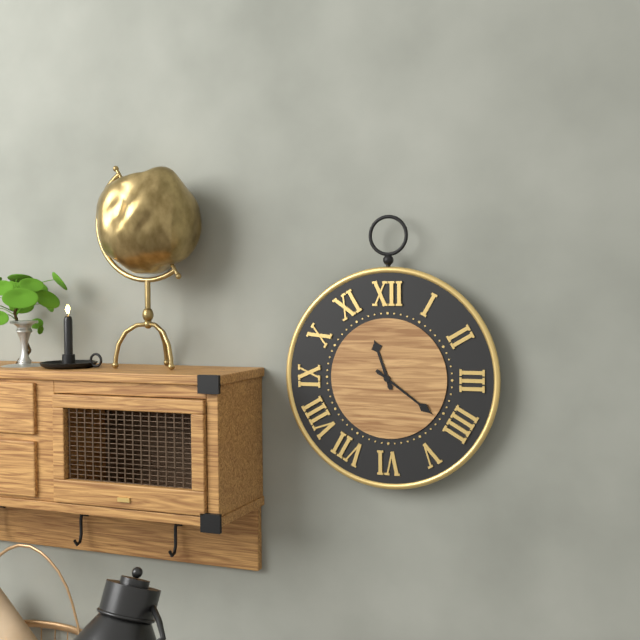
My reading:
11 h 21 min
